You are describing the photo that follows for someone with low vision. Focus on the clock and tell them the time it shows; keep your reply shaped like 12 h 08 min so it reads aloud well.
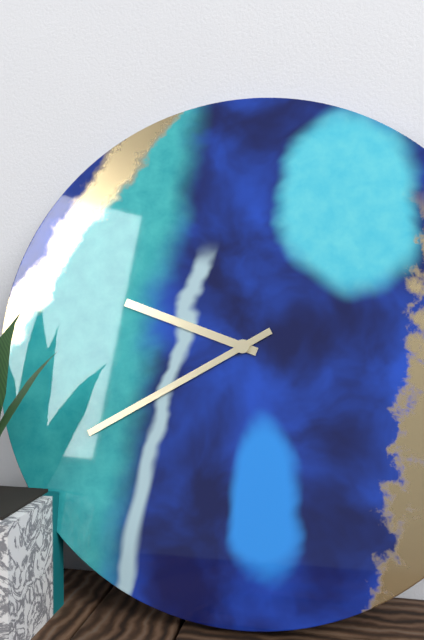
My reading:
9 h 40 min
